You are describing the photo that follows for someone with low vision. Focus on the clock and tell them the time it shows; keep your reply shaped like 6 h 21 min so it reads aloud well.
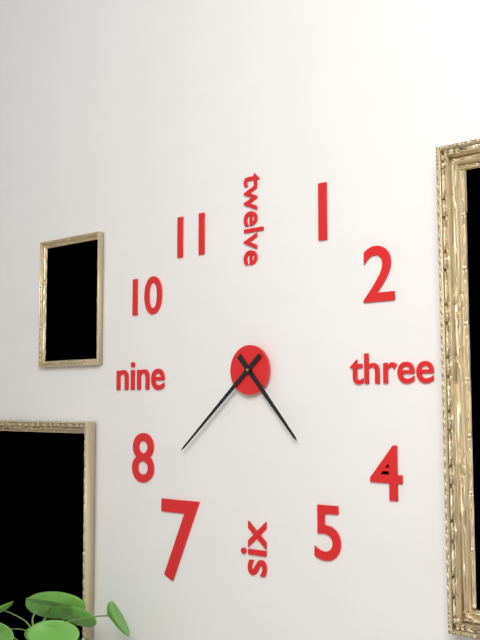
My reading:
4 h 38 min
